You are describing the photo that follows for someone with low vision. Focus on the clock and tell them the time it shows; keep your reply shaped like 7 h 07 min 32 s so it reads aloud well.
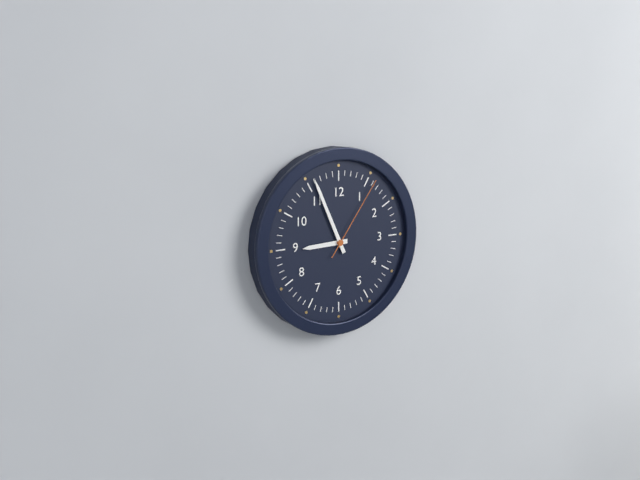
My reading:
8 h 56 min 06 s
